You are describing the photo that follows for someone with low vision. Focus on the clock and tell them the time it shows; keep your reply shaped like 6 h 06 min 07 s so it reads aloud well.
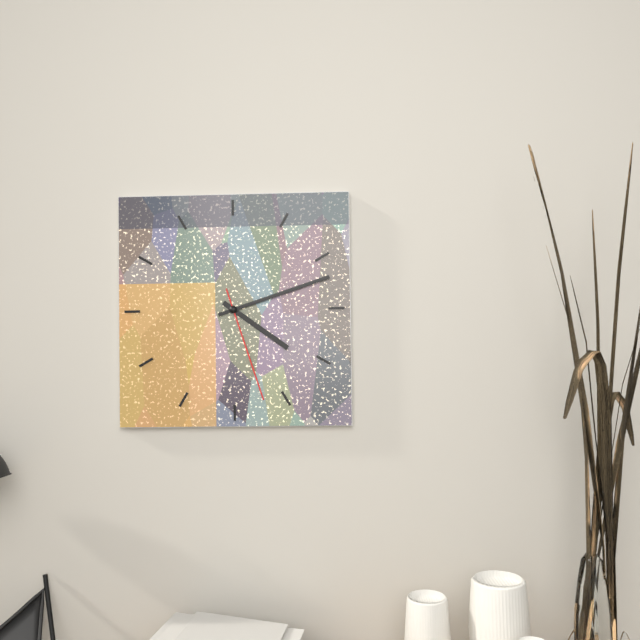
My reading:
4 h 12 min 27 s
